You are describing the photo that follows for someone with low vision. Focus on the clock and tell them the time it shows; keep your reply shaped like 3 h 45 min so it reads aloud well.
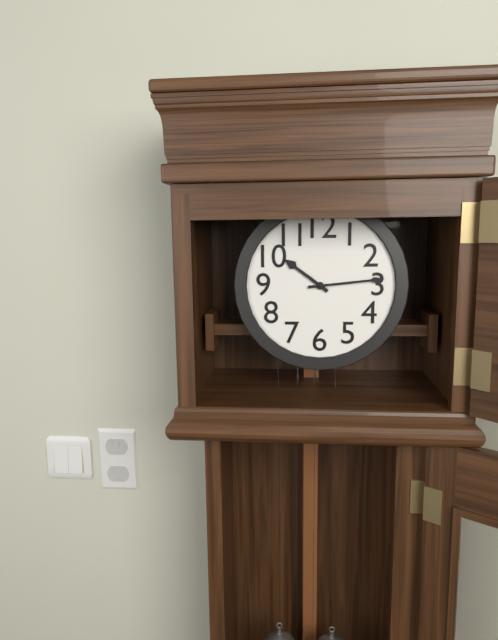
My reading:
10 h 14 min
